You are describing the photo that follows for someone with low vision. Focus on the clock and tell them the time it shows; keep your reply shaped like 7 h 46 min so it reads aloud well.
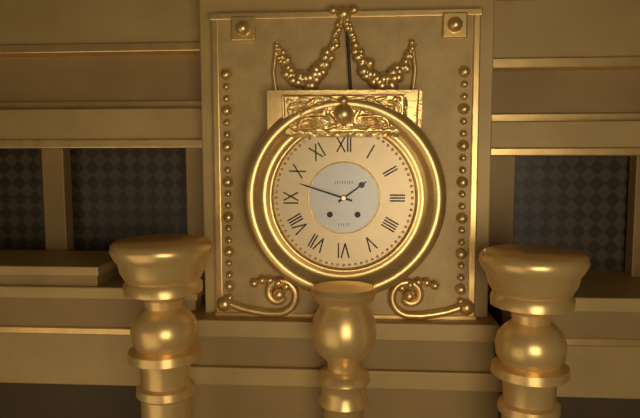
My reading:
1 h 48 min
